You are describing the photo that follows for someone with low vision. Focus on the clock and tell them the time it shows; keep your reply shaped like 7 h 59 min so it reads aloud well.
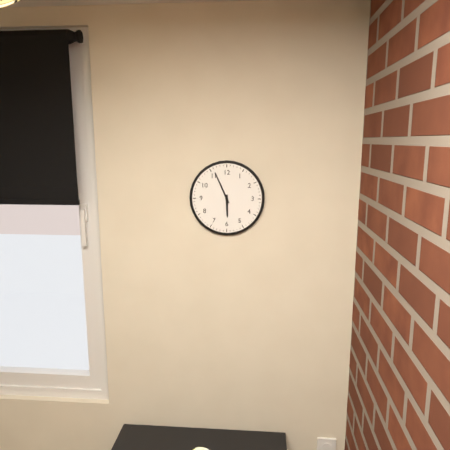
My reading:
5 h 56 min
